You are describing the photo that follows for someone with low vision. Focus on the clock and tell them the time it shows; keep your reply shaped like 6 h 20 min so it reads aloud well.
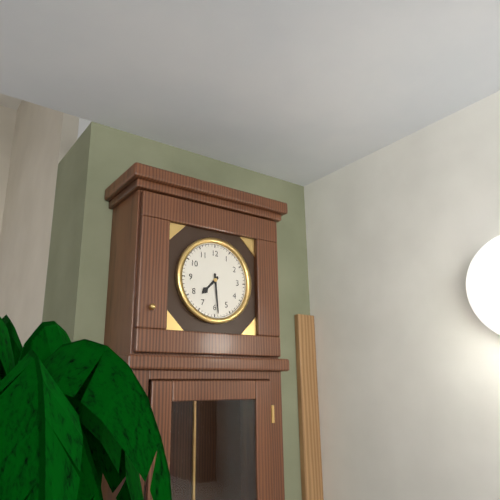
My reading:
7 h 29 min
